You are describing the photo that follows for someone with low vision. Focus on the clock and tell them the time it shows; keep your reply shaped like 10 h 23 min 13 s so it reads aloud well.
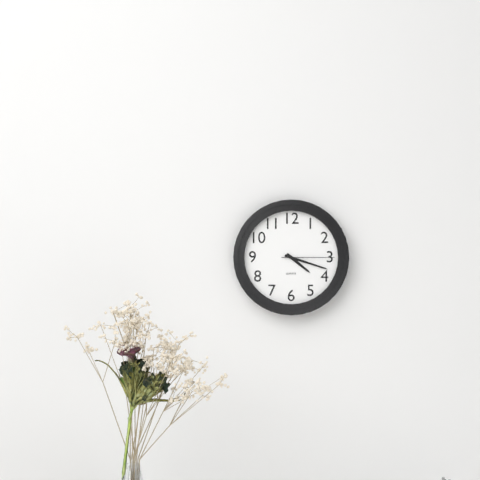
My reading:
4 h 18 min 15 s
